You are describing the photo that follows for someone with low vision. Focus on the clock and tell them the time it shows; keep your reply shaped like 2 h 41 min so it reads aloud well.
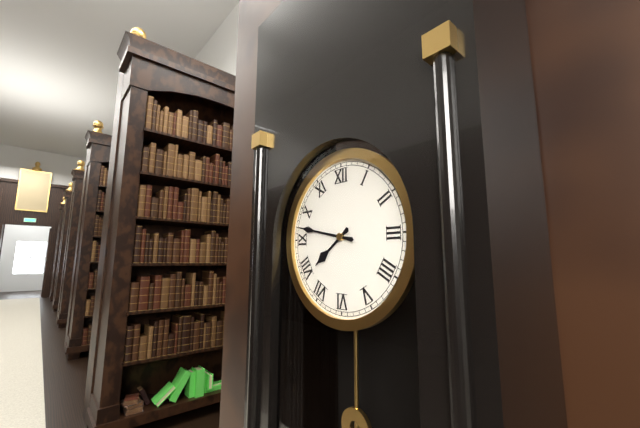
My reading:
7 h 47 min
